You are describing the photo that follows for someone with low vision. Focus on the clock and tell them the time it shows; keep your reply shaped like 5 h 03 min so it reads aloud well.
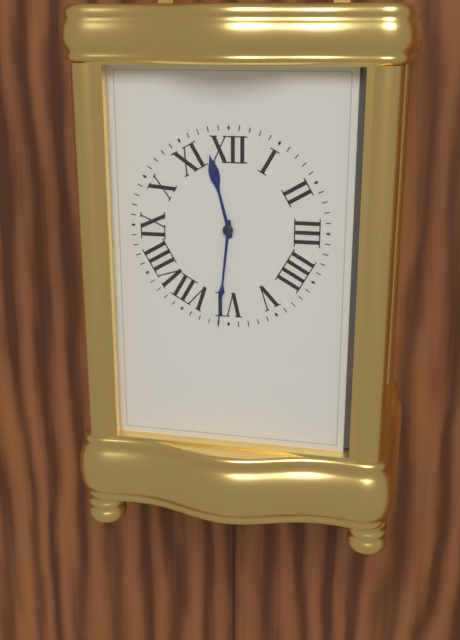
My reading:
11 h 31 min
